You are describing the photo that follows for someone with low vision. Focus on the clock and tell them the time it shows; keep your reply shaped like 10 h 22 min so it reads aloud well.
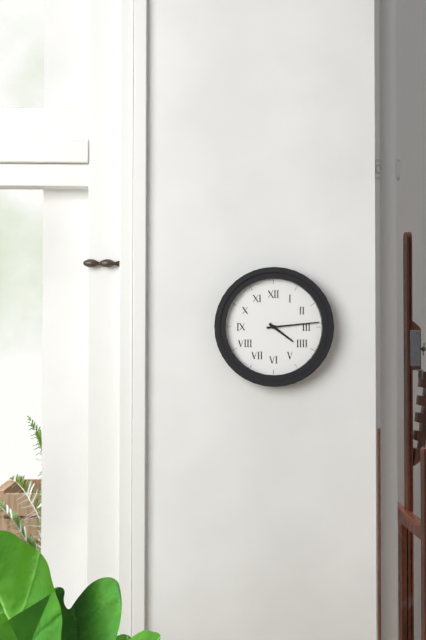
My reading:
4 h 14 min
